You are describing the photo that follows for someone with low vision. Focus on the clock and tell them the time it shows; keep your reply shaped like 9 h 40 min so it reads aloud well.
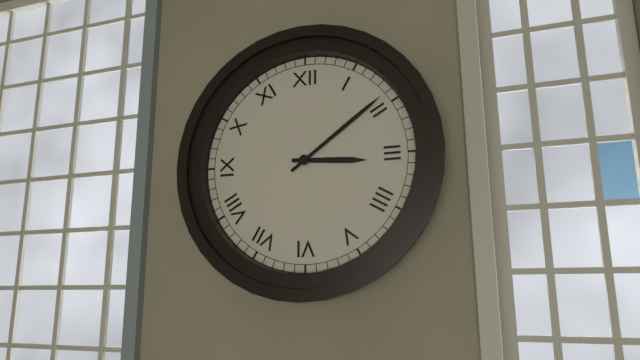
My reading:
3 h 09 min
